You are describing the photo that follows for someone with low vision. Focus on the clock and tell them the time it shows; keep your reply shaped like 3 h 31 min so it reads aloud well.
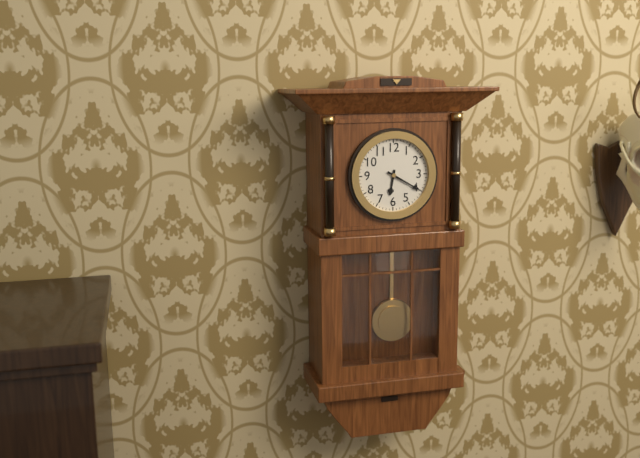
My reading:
6 h 20 min
